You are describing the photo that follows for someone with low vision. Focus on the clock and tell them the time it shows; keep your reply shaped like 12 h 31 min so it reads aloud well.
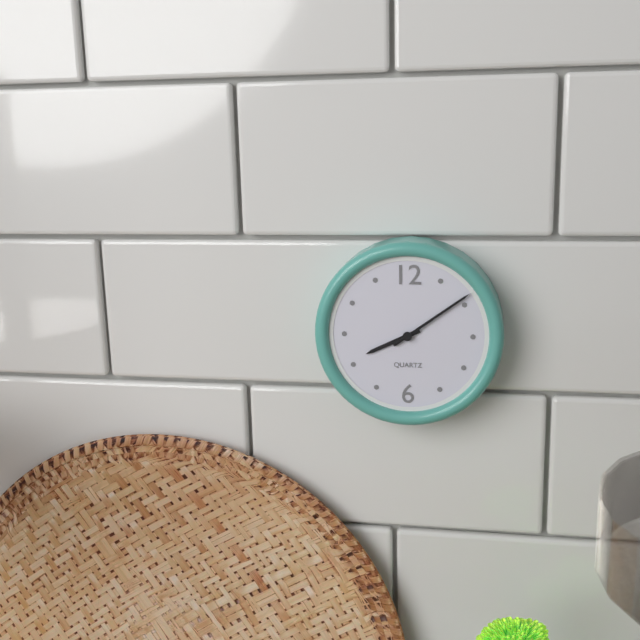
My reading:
8 h 09 min
